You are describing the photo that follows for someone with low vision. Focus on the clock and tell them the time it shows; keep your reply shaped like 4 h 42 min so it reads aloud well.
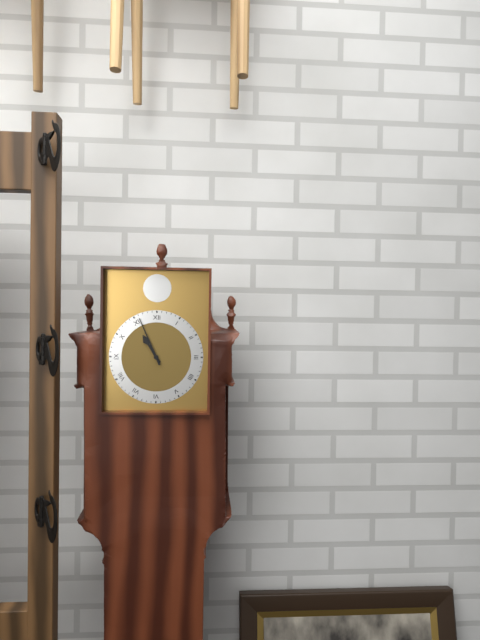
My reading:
10 h 56 min
